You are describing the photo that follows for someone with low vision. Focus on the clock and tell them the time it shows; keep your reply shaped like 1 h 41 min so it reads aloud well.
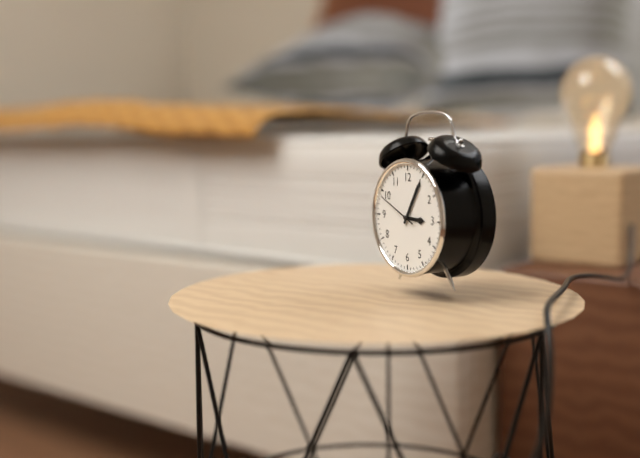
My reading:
3 h 05 min
